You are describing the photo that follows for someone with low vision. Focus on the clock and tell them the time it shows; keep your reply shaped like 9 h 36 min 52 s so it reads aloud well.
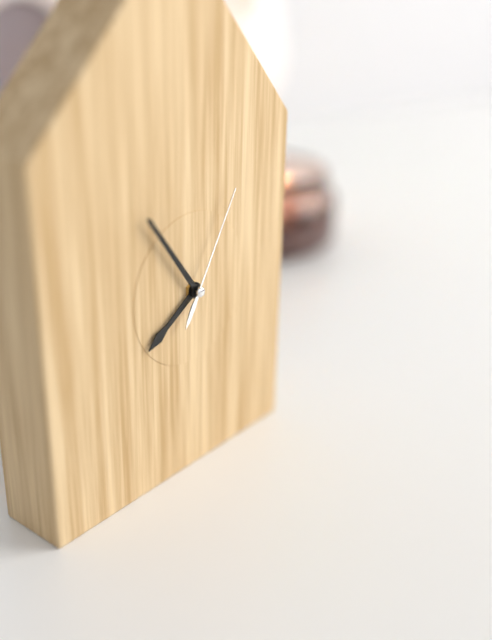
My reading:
7 h 54 min 05 s
